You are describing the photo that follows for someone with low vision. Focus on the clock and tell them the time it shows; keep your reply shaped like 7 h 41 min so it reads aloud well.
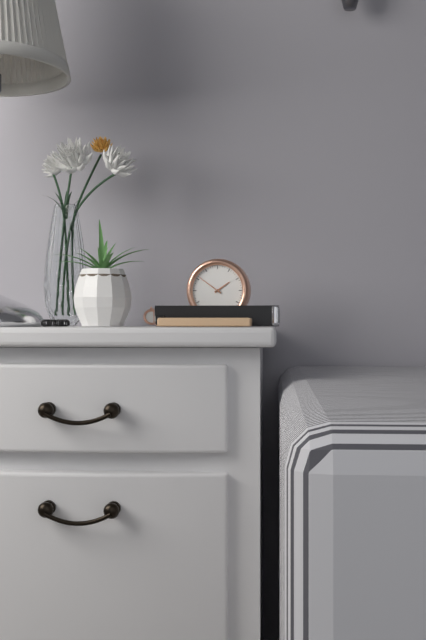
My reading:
1 h 51 min
